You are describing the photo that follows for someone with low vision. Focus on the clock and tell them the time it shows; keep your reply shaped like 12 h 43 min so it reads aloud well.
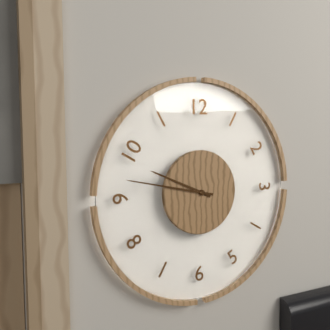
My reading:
9 h 47 min
